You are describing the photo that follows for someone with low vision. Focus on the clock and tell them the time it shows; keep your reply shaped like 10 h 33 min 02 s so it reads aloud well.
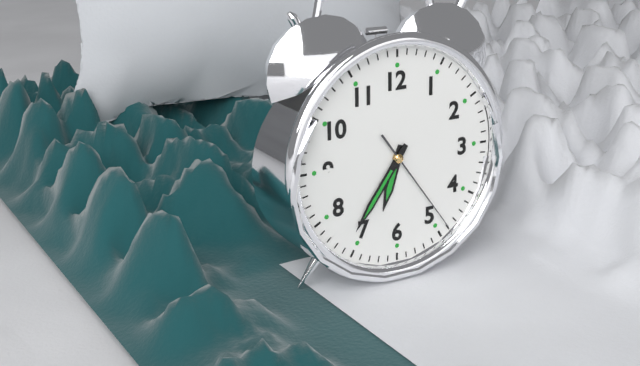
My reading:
6 h 36 min 24 s
